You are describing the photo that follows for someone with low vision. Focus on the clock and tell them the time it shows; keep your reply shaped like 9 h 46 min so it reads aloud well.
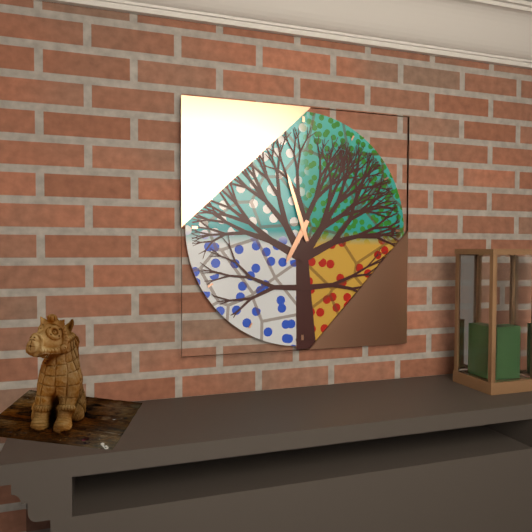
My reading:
6 h 57 min
